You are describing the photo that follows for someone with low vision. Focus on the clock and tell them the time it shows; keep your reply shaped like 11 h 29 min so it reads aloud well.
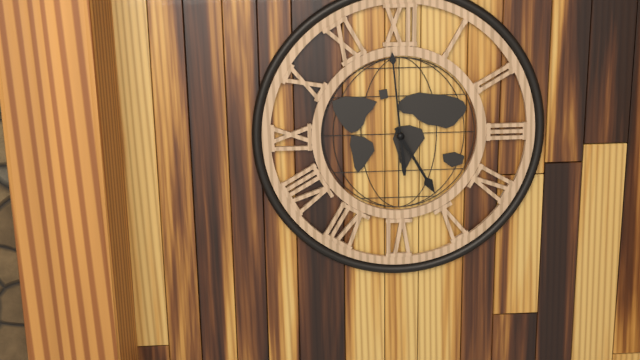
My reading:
4 h 59 min
